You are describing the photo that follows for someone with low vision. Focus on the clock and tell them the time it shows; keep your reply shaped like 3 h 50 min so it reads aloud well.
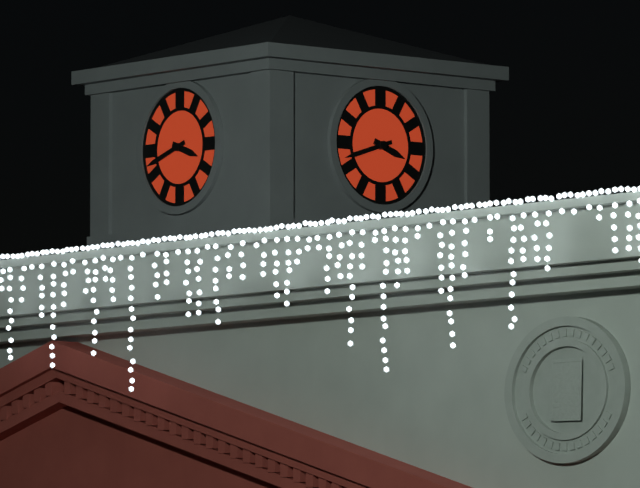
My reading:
3 h 42 min
